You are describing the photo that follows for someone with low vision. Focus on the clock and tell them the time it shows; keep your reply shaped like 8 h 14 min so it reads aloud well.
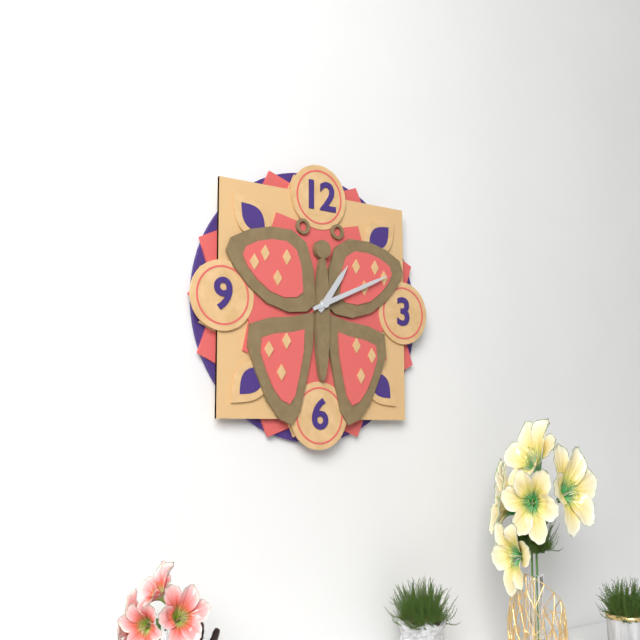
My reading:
1 h 11 min
